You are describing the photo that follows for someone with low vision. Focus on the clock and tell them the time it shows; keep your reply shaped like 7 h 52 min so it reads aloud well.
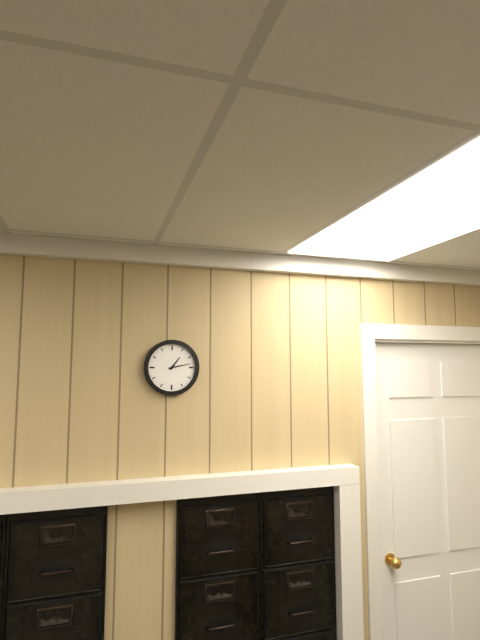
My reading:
1 h 13 min
